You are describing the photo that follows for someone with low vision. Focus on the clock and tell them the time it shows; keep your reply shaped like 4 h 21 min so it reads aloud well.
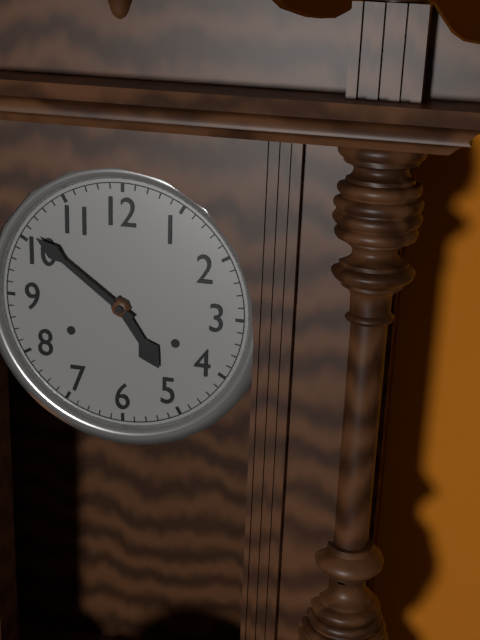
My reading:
4 h 51 min
